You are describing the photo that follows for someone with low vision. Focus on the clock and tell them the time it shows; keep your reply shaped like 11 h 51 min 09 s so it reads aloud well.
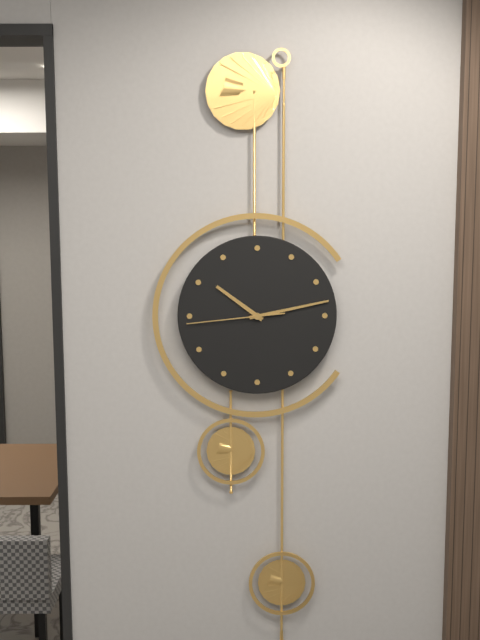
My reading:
10 h 13 min 44 s
